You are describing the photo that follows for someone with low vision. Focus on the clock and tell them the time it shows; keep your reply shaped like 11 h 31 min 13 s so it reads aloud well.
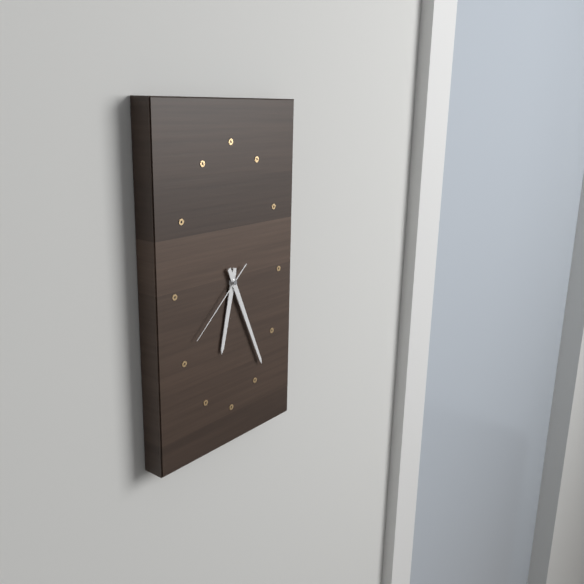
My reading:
6 h 26 min 38 s
